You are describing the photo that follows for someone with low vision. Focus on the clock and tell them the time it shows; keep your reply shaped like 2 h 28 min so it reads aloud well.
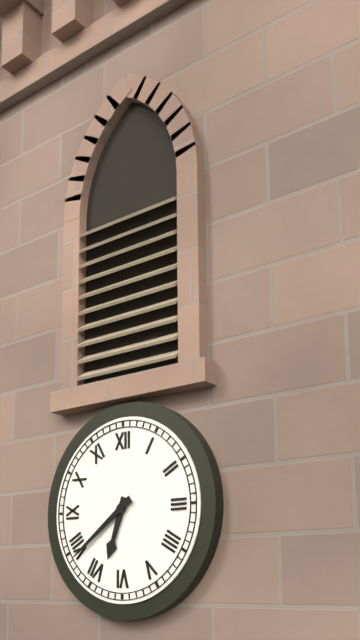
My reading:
6 h 39 min
